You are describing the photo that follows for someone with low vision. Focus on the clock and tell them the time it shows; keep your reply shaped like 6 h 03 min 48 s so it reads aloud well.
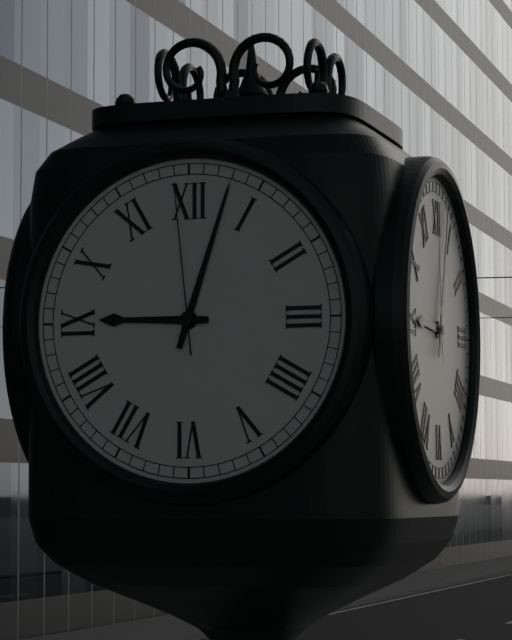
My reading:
9 h 03 min 59 s
